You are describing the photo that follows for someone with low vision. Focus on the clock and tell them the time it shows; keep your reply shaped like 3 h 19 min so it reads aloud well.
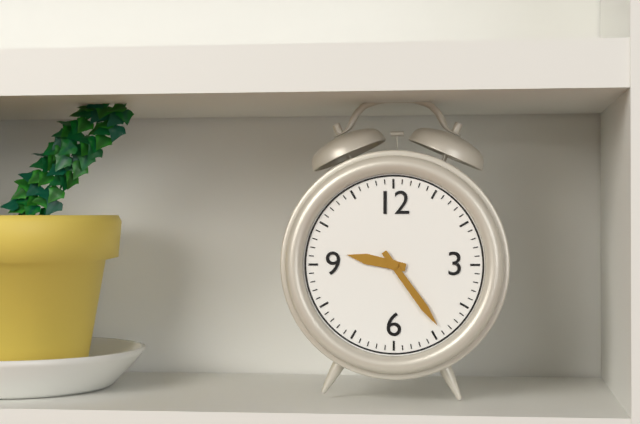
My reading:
9 h 24 min
